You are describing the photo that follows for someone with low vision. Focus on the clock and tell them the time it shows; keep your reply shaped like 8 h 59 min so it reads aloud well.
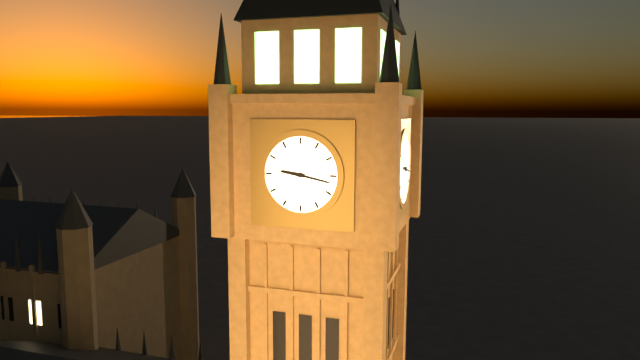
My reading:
9 h 17 min
